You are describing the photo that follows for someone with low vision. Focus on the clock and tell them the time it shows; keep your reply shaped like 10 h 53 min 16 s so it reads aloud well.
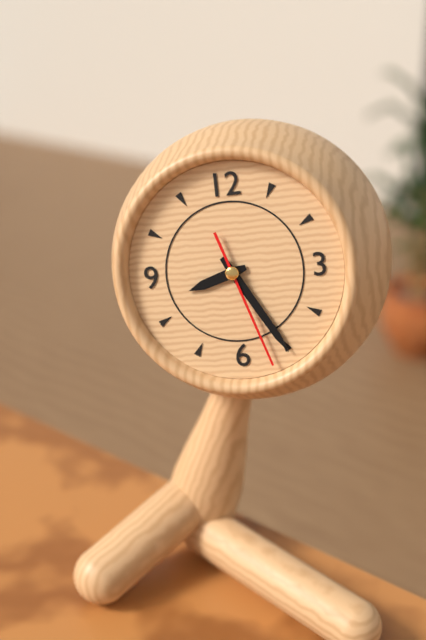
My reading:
8 h 25 min 27 s
